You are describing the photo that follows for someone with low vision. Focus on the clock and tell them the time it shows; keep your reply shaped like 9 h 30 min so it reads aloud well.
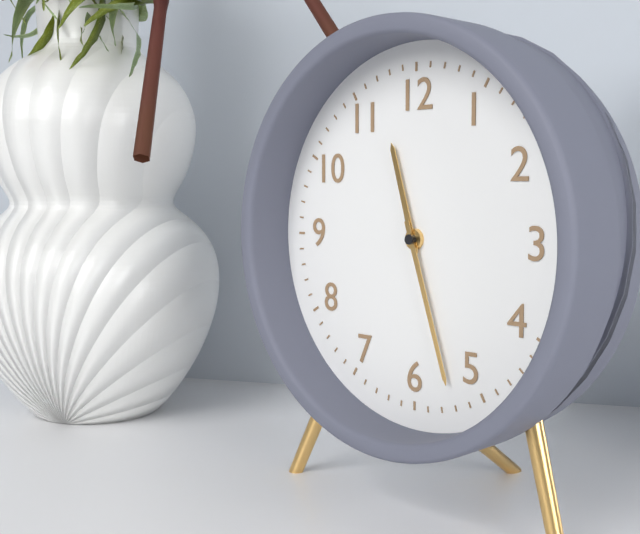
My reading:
11 h 27 min
